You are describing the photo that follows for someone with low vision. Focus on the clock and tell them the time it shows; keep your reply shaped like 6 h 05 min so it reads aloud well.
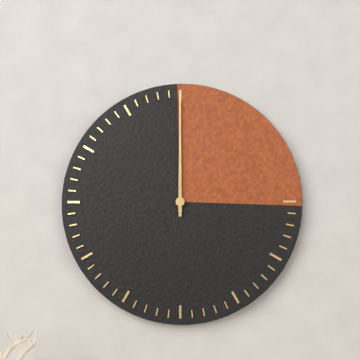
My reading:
12 h 00 min
